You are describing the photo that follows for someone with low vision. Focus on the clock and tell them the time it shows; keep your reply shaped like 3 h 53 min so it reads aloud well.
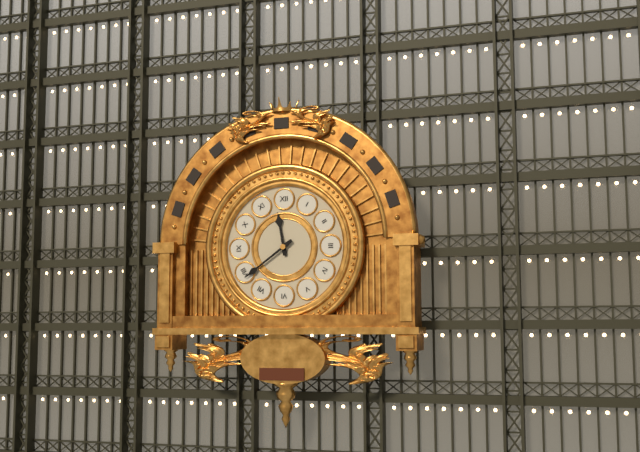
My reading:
11 h 39 min
